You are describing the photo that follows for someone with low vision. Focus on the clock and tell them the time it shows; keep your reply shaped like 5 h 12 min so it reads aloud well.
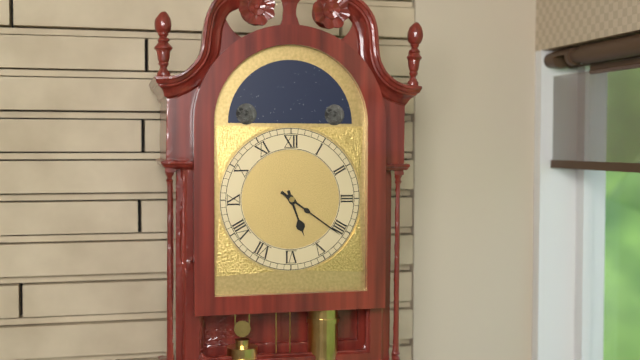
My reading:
5 h 21 min
